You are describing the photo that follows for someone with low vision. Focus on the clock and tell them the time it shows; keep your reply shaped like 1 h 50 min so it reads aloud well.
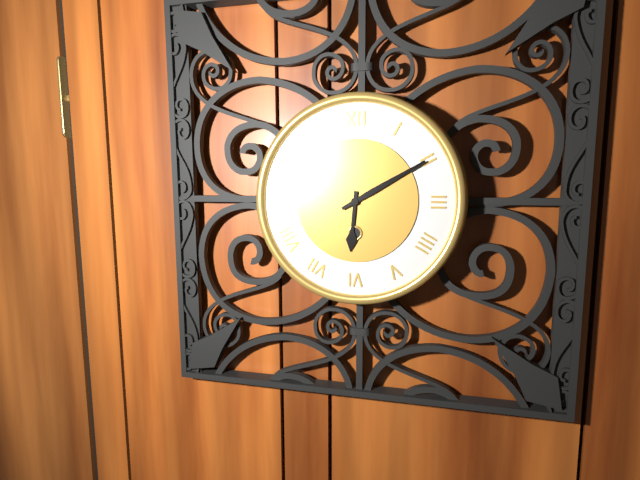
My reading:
6 h 10 min
